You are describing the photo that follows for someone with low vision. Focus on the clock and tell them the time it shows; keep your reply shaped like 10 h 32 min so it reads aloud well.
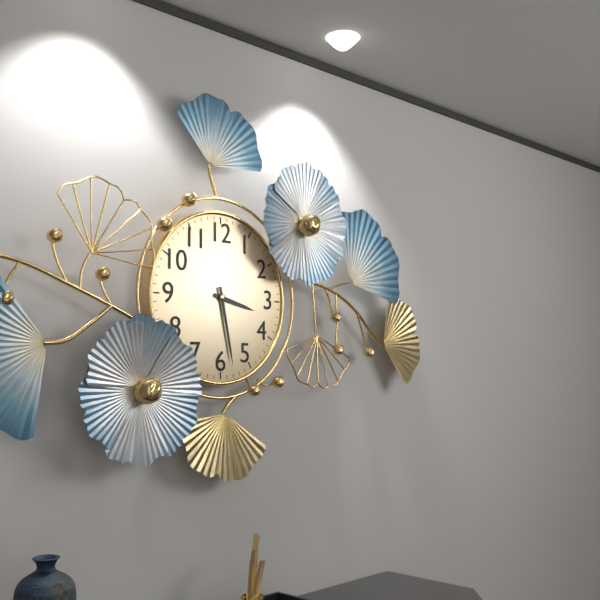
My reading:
3 h 28 min
